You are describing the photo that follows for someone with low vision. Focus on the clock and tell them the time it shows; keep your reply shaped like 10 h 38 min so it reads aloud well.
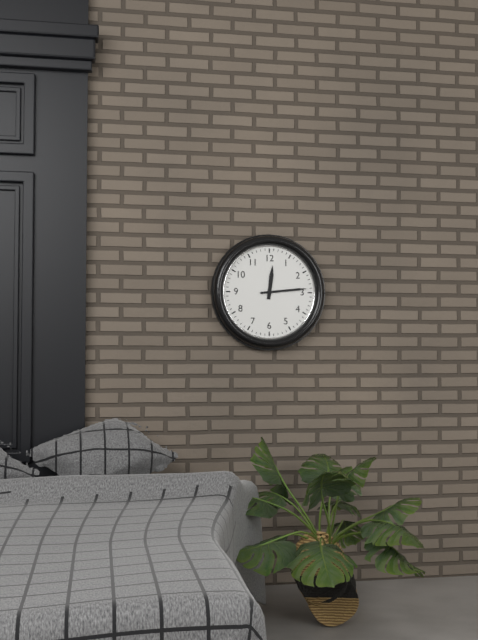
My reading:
12 h 14 min
